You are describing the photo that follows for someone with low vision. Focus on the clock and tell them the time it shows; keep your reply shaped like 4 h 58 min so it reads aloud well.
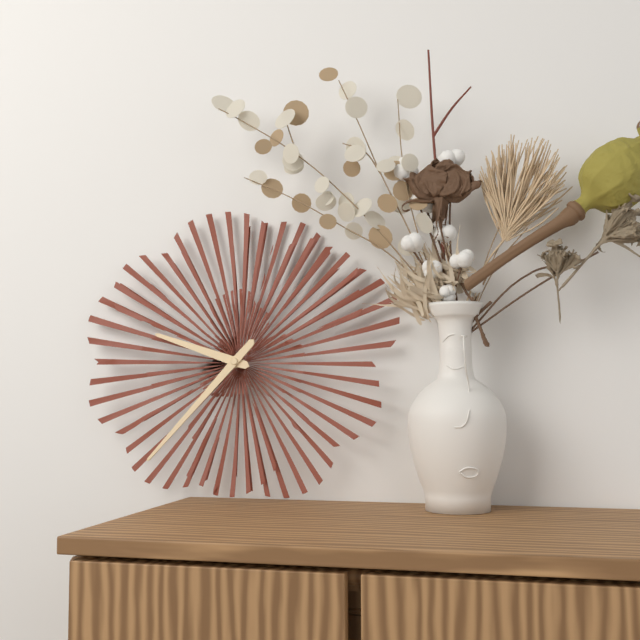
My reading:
9 h 37 min
